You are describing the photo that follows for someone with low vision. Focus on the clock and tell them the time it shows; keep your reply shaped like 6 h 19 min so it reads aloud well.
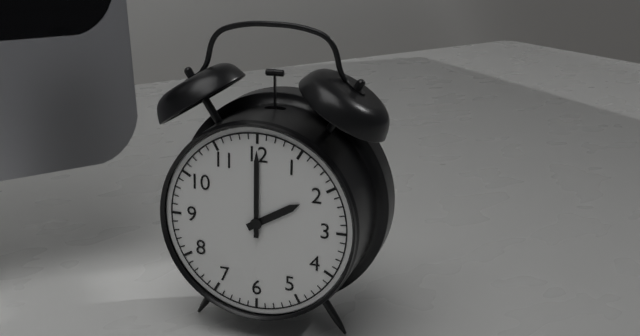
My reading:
2 h 00 min
